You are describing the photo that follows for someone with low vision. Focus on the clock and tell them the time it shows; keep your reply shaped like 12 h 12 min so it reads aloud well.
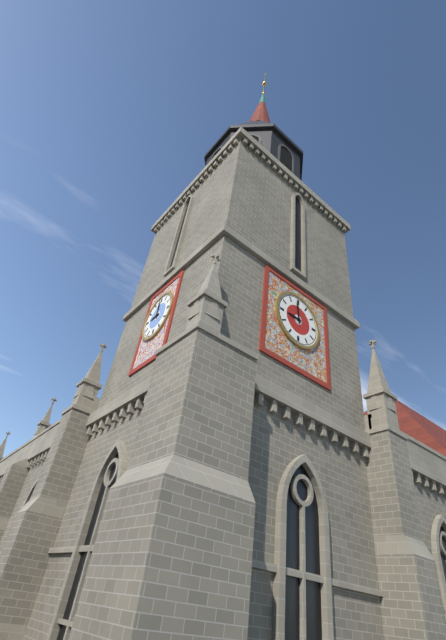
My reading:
8 h 59 min
